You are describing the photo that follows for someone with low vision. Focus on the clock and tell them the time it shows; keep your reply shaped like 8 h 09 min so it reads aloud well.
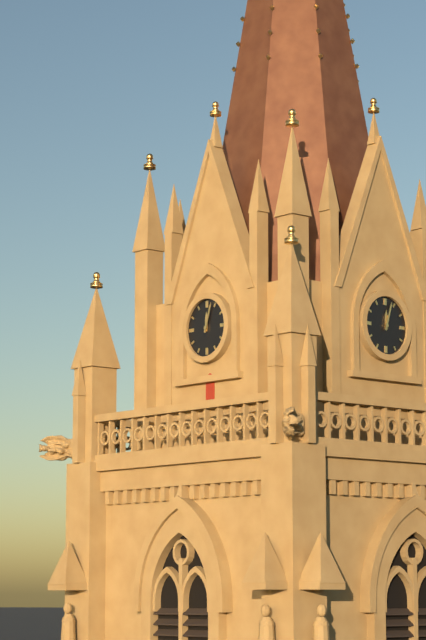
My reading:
12 h 03 min
